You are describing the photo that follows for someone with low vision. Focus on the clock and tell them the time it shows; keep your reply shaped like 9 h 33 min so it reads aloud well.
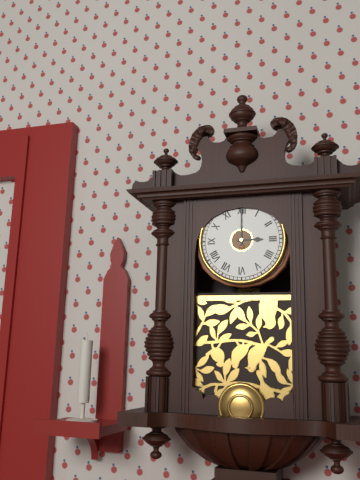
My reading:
3 h 00 min
